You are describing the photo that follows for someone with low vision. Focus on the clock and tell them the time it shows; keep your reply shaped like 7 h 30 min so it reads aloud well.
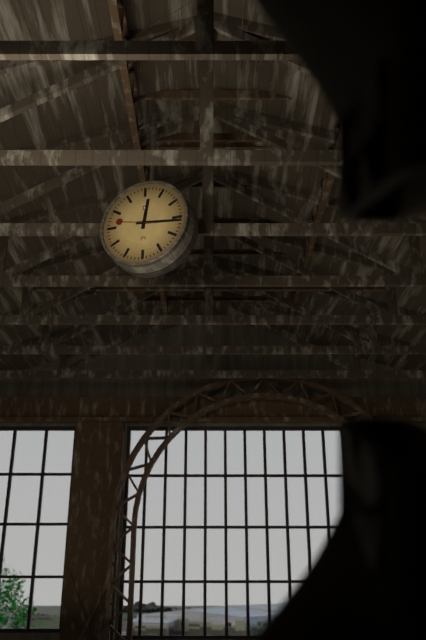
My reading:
12 h 16 min
